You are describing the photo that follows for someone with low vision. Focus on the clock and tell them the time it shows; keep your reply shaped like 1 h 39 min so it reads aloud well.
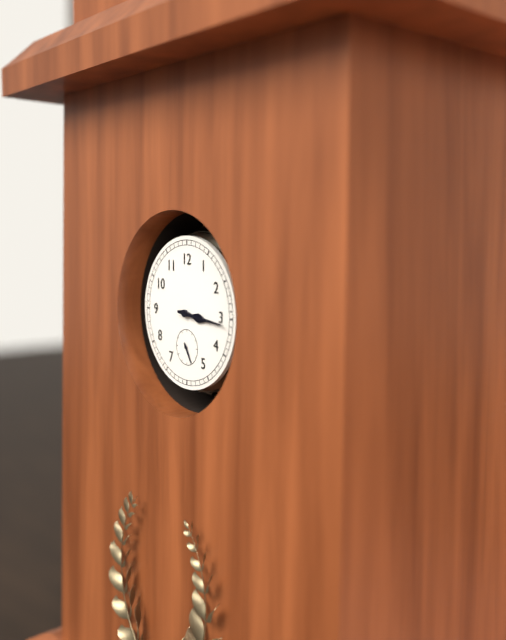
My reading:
3 h 16 min
